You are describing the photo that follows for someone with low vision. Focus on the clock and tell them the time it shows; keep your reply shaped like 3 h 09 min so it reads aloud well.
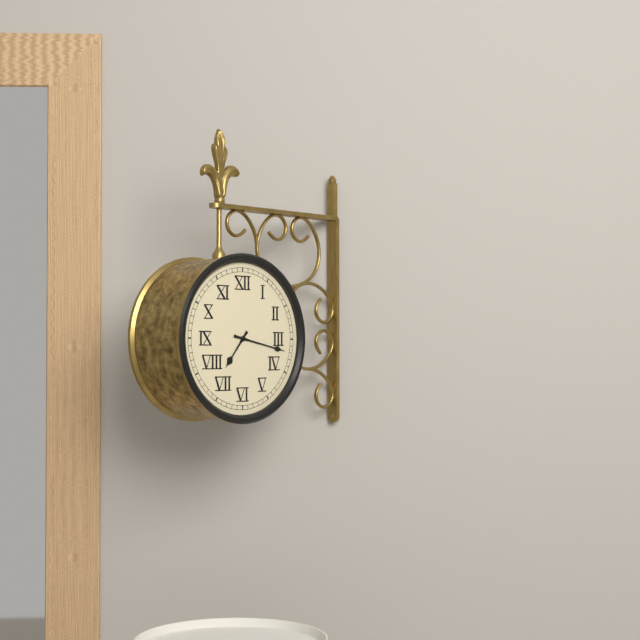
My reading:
7 h 17 min
